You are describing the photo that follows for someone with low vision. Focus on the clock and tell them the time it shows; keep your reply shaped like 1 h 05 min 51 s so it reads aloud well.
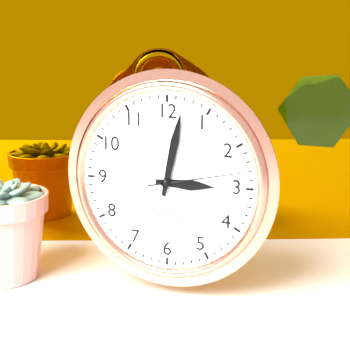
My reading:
3 h 02 min 13 s
